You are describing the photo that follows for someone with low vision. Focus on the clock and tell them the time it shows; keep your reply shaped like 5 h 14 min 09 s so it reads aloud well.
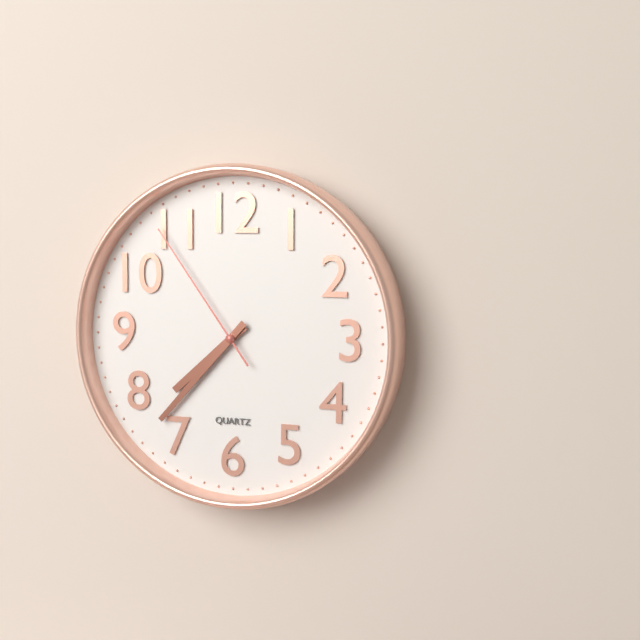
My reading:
7 h 37 min 54 s
